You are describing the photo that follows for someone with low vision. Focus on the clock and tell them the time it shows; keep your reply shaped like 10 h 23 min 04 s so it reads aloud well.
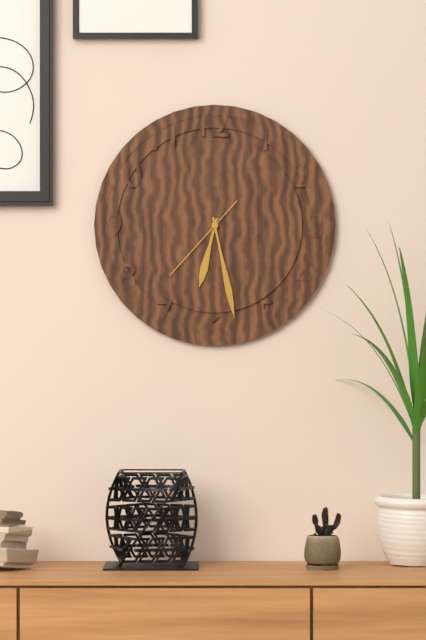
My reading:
6 h 28 min 37 s
